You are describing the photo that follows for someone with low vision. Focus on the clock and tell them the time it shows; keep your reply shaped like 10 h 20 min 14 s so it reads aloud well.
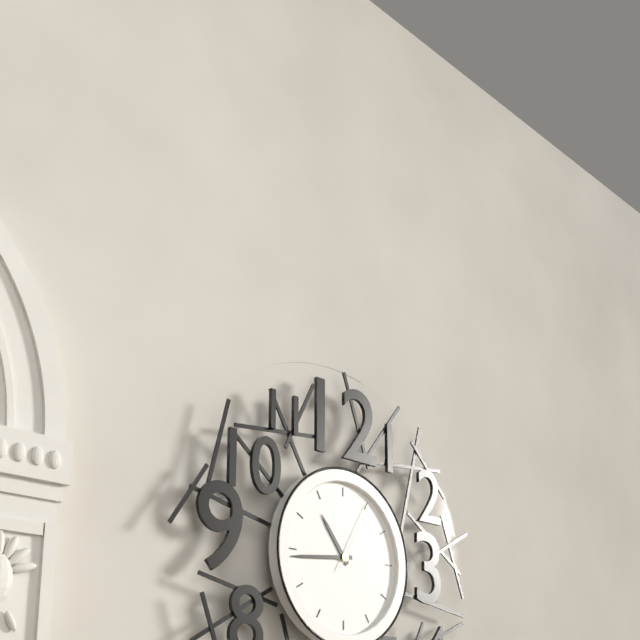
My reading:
10 h 44 min 05 s
